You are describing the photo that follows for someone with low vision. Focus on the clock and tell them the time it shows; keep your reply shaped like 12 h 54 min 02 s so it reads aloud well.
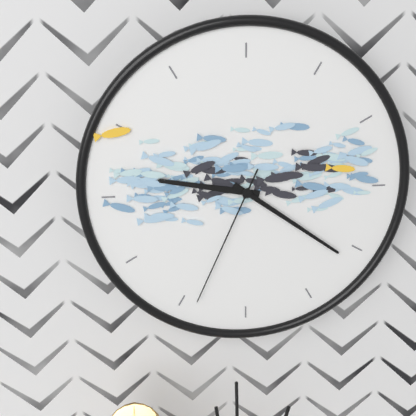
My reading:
9 h 21 min 34 s
